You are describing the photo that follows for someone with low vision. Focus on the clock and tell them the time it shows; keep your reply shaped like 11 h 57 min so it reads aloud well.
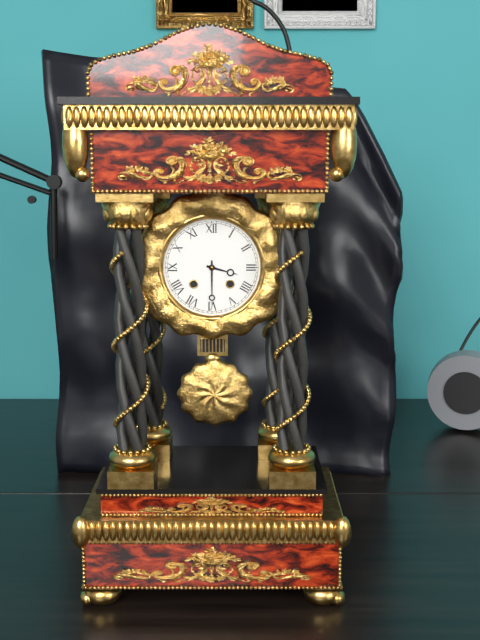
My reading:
3 h 30 min
